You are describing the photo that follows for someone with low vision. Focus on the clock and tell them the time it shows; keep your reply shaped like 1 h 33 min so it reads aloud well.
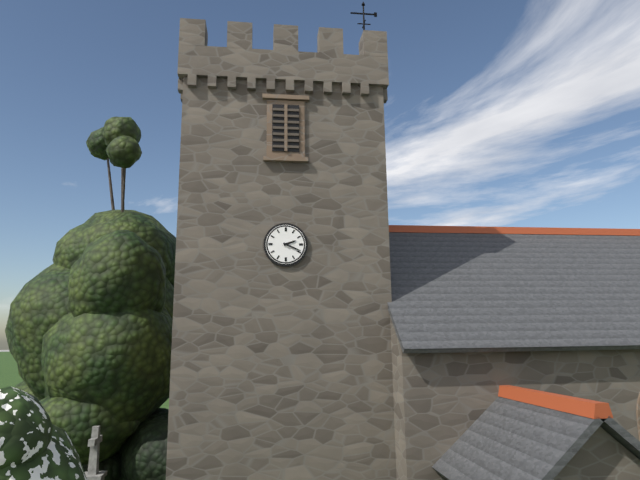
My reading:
2 h 19 min
